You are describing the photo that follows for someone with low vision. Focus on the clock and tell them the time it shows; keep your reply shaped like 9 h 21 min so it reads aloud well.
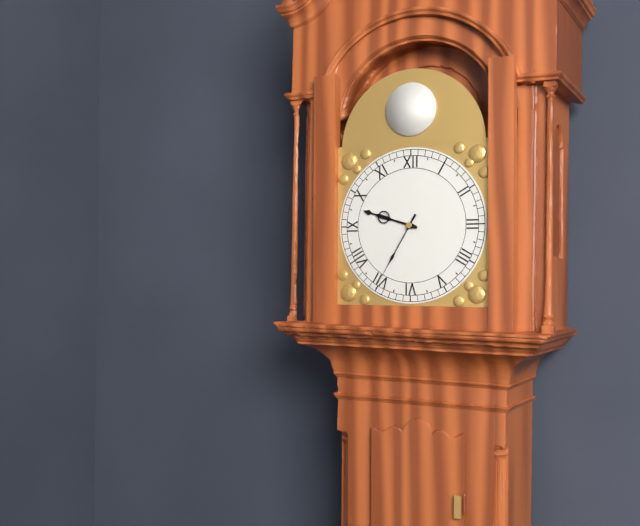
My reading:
9 h 35 min
